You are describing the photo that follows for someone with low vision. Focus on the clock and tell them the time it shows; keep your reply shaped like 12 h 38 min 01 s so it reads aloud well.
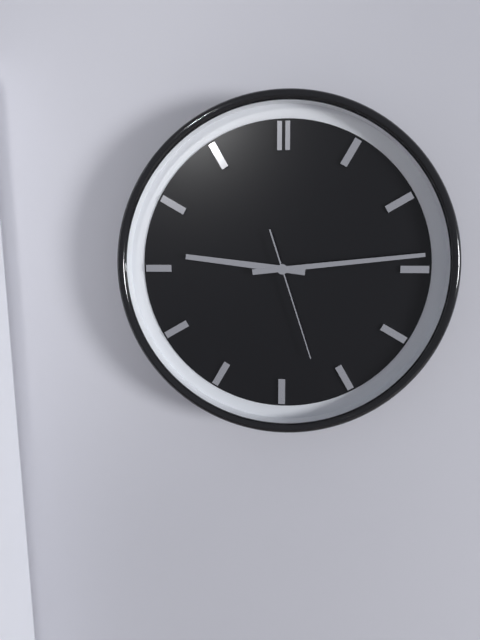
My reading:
9 h 14 min 27 s
